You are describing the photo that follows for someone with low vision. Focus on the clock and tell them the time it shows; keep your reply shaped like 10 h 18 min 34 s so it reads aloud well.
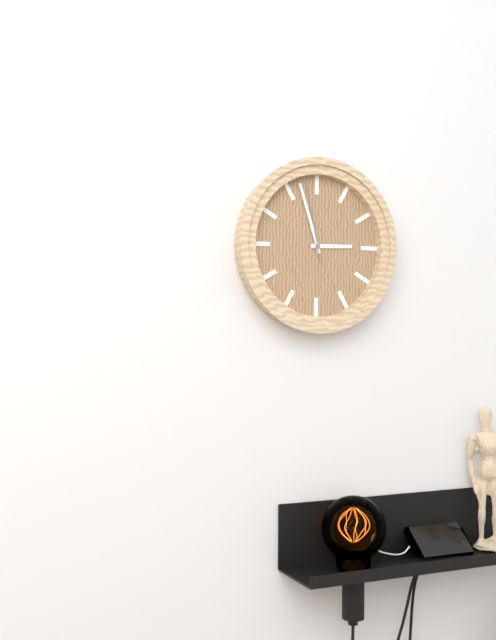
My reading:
2 h 57 min 58 s
